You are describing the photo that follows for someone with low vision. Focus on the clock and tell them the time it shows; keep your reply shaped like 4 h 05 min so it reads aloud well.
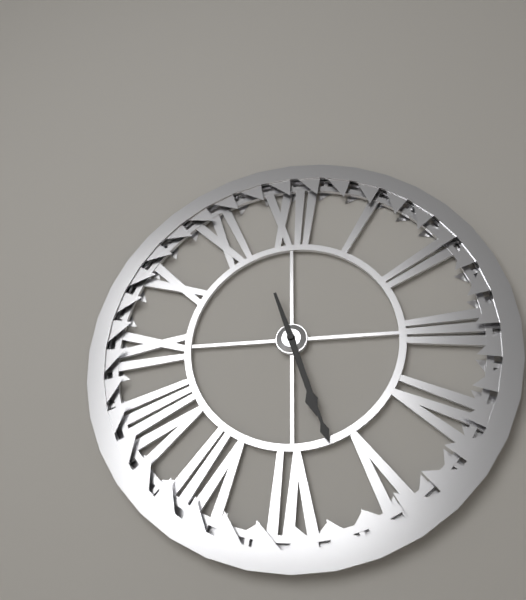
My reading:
5 h 27 min
